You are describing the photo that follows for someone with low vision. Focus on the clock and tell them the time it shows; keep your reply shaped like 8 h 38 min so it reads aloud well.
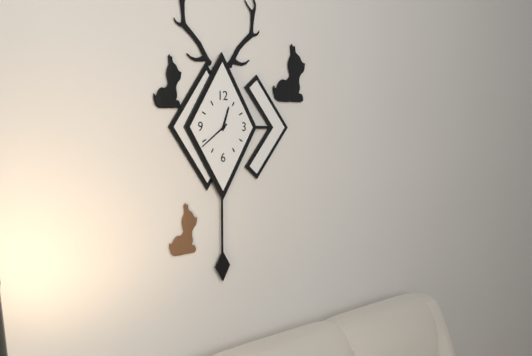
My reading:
12 h 39 min
